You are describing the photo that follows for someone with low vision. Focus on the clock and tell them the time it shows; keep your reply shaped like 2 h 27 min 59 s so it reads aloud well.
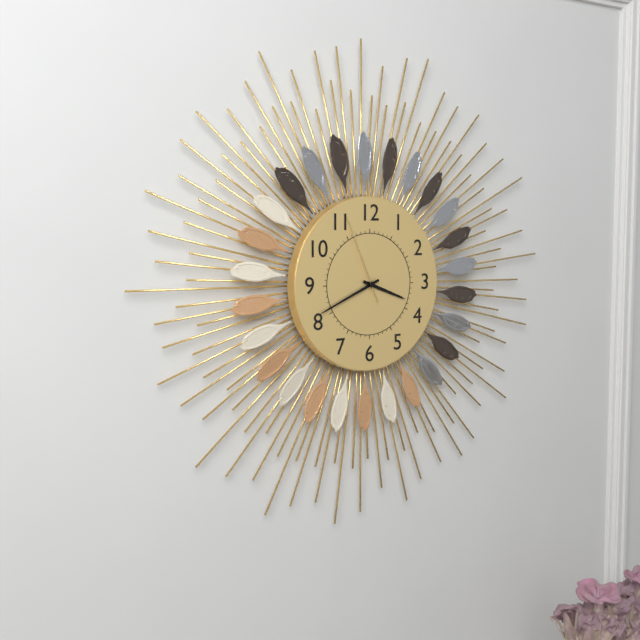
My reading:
3 h 41 min 56 s
